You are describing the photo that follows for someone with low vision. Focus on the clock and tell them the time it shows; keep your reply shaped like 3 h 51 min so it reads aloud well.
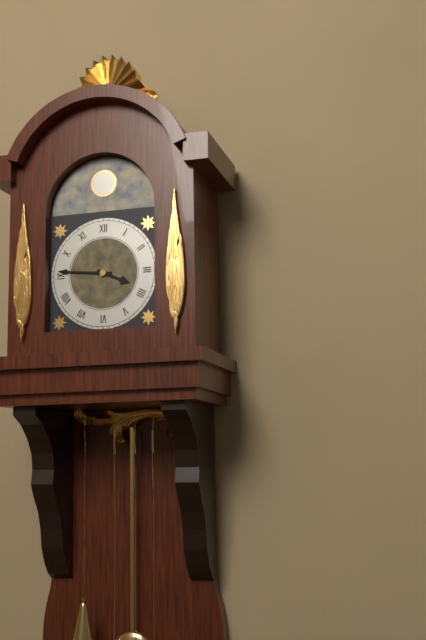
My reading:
3 h 46 min
